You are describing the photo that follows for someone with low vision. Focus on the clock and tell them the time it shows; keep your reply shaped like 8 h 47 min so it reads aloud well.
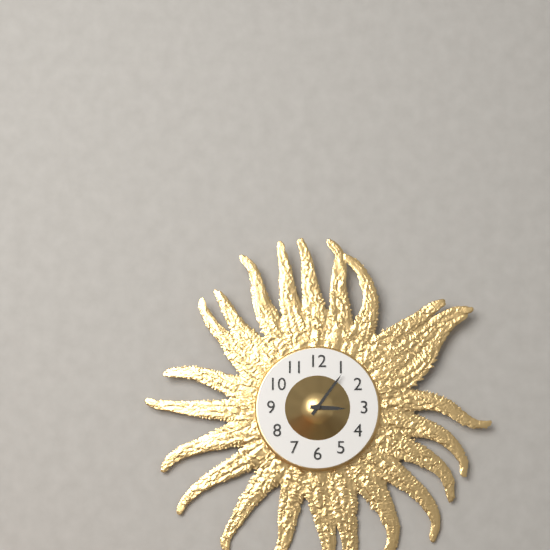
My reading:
3 h 06 min
